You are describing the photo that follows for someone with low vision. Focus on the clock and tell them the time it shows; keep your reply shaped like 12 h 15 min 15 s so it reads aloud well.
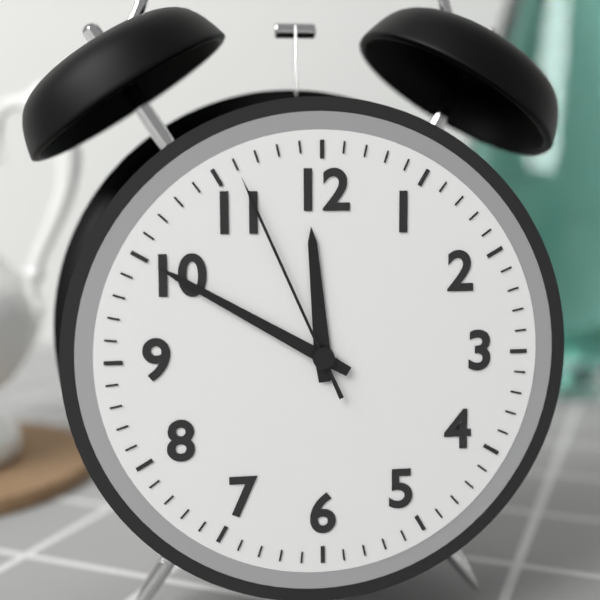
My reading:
11 h 50 min 56 s
